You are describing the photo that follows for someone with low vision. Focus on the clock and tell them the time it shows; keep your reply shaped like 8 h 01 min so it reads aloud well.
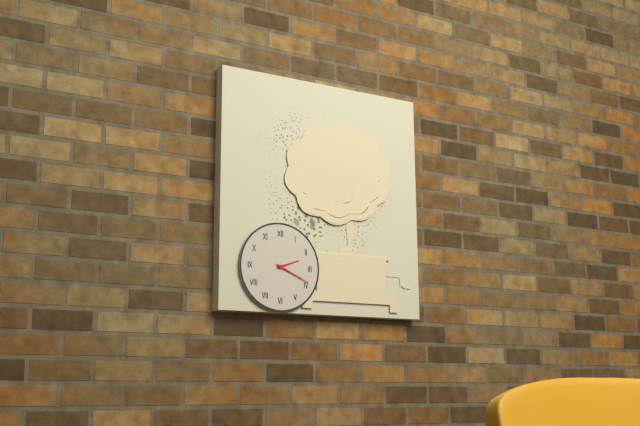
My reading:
2 h 19 min
